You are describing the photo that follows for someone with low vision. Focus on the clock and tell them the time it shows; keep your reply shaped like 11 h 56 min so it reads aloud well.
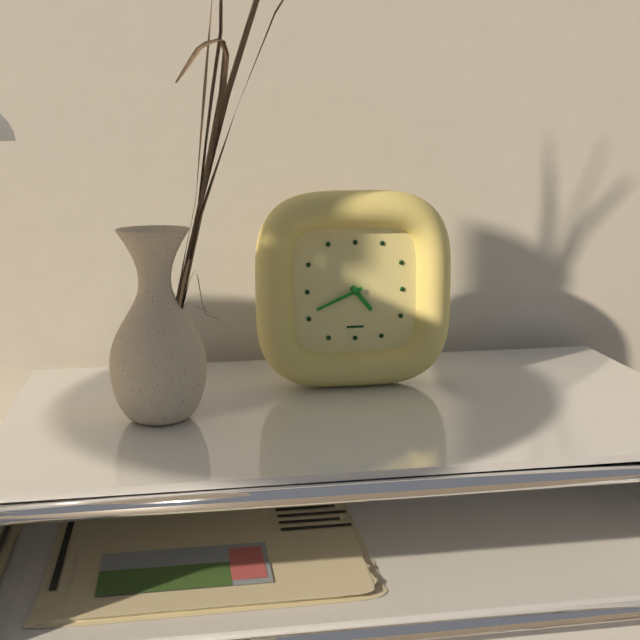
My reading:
4 h 41 min
